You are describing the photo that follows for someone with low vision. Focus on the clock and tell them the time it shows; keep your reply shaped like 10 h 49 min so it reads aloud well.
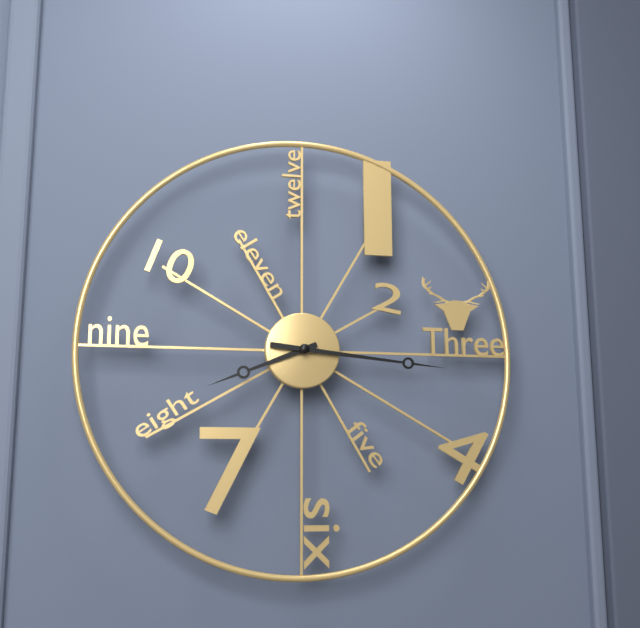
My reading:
8 h 16 min
